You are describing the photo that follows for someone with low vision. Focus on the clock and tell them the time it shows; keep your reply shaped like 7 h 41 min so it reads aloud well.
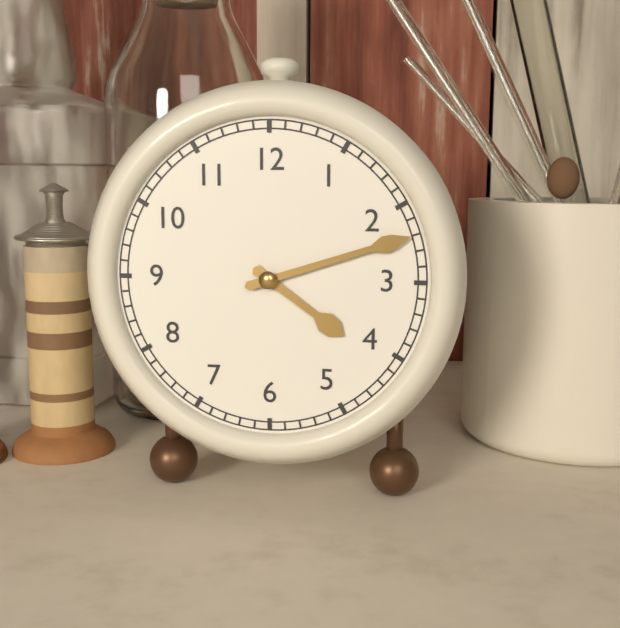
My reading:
4 h 12 min
